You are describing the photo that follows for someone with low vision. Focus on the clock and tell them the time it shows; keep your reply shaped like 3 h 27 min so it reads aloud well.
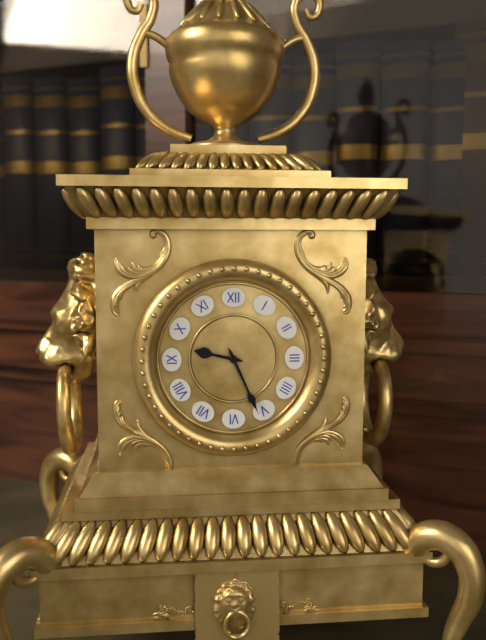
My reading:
9 h 26 min
